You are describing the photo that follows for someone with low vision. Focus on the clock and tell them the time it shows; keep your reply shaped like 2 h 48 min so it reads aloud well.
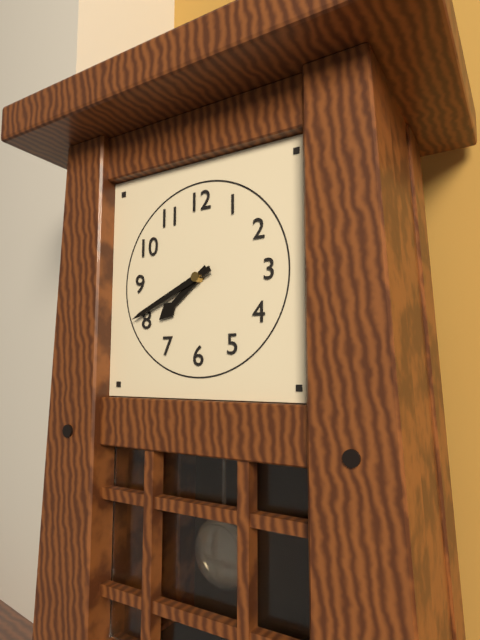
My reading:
7 h 41 min
